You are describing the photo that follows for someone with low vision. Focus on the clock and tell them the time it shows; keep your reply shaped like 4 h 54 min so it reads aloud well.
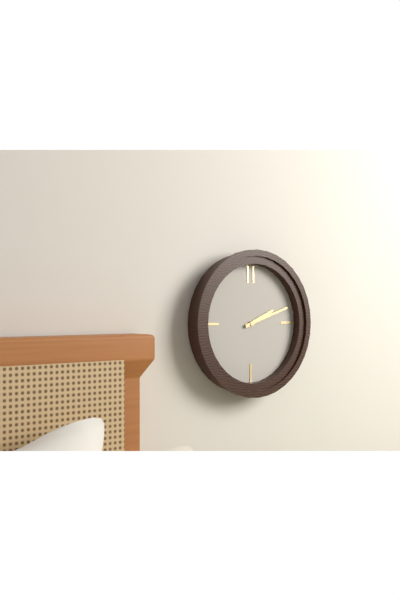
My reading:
2 h 12 min
